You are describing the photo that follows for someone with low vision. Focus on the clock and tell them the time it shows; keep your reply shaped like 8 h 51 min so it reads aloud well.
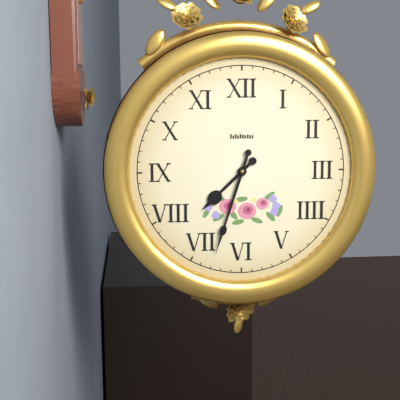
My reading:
7 h 33 min
